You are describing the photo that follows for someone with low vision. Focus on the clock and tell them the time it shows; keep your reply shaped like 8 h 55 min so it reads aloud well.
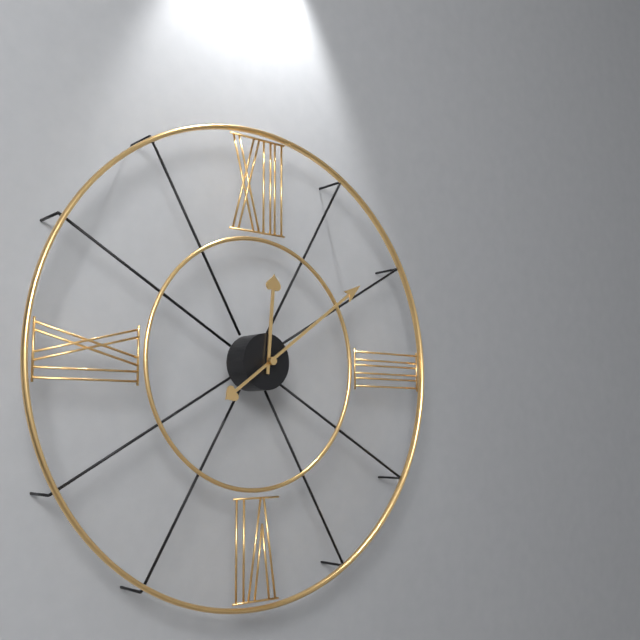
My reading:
12 h 09 min
